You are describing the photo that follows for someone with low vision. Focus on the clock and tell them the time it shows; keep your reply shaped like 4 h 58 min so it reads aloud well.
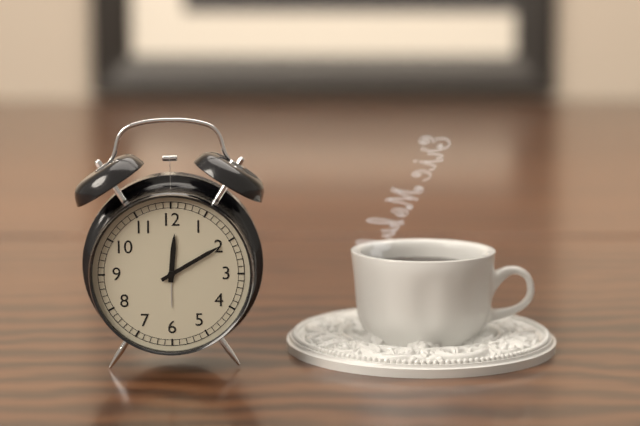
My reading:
12 h 10 min
